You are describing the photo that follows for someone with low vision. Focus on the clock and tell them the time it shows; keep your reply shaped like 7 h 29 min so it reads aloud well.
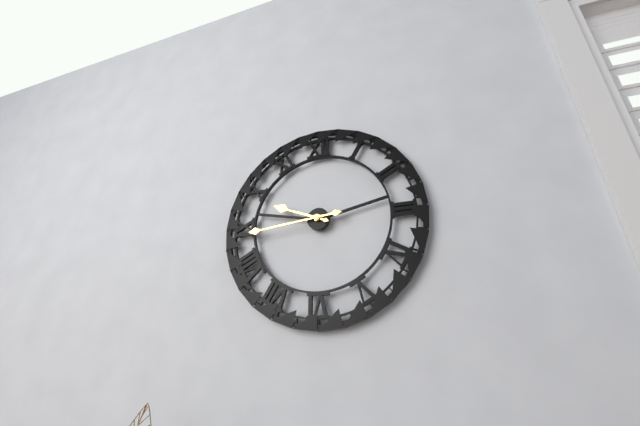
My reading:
9 h 44 min
